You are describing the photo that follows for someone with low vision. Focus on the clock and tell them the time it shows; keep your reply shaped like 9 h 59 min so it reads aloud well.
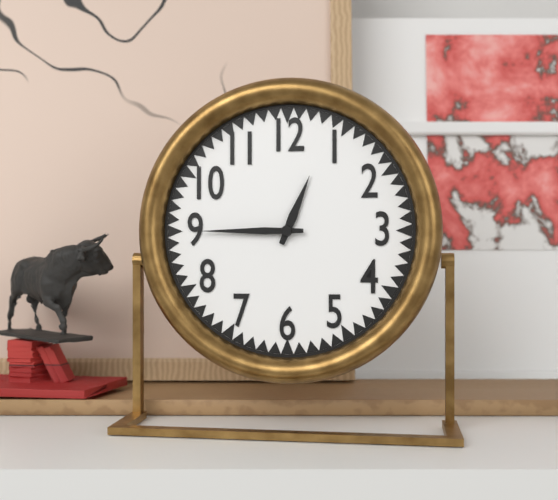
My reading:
12 h 45 min
